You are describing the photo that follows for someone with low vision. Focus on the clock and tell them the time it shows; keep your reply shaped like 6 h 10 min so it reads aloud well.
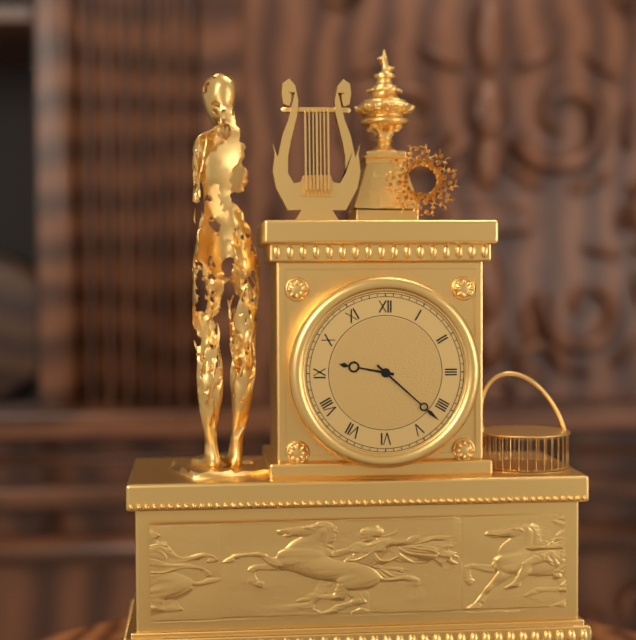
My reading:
9 h 22 min
